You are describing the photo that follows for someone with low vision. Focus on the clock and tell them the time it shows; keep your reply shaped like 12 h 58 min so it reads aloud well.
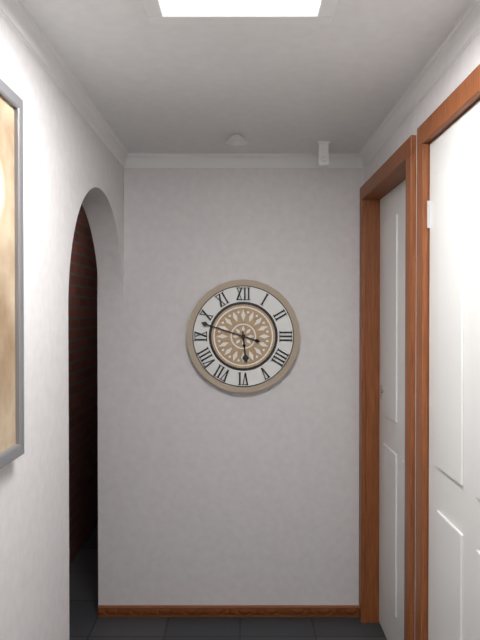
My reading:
5 h 48 min
